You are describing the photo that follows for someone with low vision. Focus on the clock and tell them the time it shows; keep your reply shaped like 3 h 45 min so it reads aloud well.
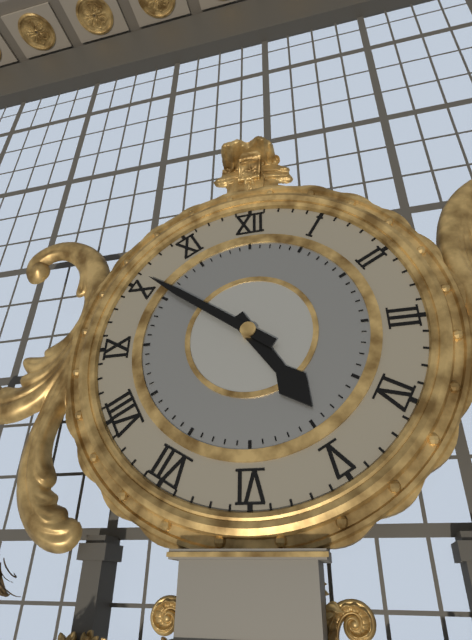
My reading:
4 h 51 min
